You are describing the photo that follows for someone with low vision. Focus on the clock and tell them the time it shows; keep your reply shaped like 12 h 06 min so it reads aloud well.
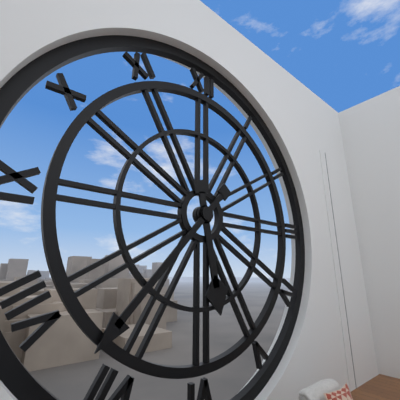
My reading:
5 h 37 min
